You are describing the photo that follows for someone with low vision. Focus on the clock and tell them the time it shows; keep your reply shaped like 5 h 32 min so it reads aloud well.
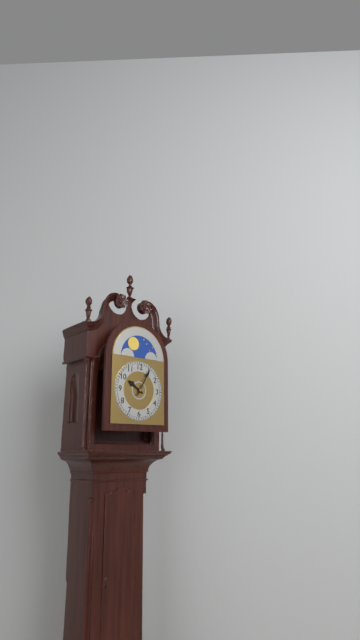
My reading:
10 h 05 min
